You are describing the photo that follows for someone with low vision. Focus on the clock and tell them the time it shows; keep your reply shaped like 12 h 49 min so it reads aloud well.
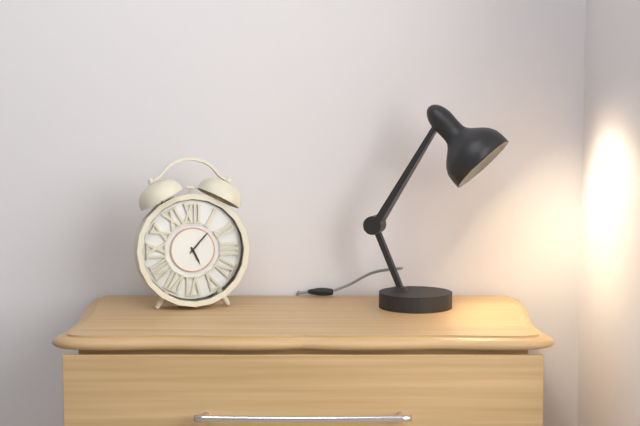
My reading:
5 h 07 min
